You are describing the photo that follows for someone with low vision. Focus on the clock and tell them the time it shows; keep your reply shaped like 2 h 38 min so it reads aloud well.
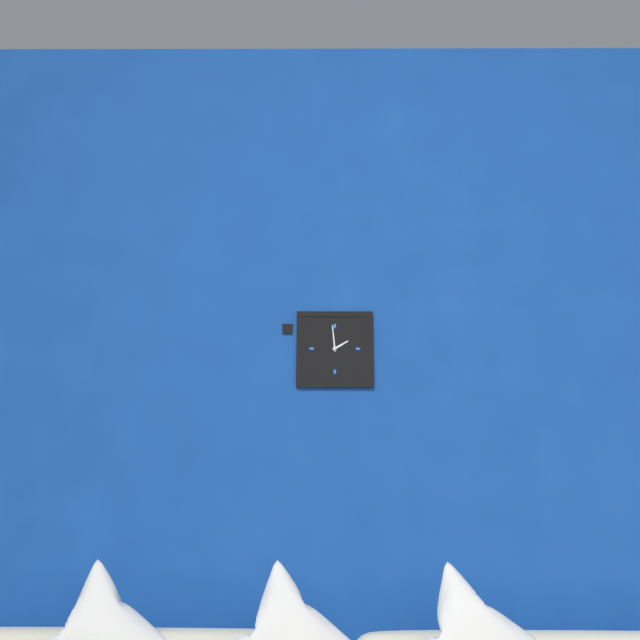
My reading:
1 h 59 min
